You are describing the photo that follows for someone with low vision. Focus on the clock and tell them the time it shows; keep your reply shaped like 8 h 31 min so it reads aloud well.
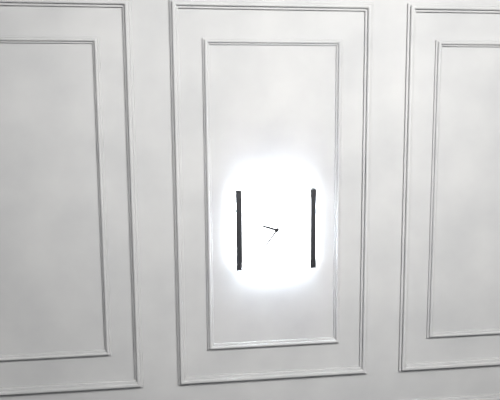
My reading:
9 h 36 min
